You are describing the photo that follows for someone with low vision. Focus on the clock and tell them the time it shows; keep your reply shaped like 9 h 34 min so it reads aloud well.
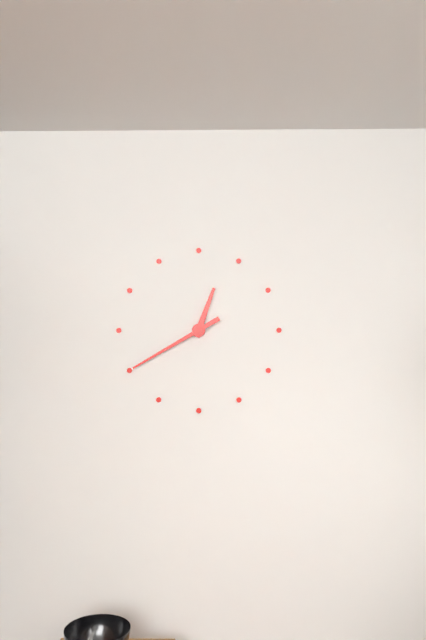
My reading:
12 h 40 min
